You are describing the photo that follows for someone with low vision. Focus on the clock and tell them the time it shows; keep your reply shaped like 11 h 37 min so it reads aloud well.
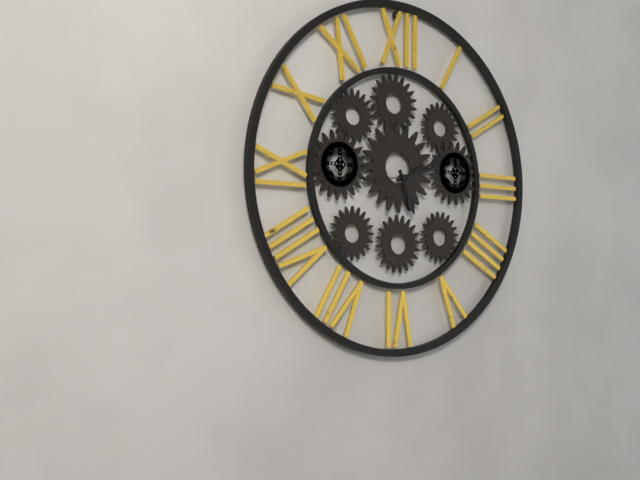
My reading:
5 h 11 min
